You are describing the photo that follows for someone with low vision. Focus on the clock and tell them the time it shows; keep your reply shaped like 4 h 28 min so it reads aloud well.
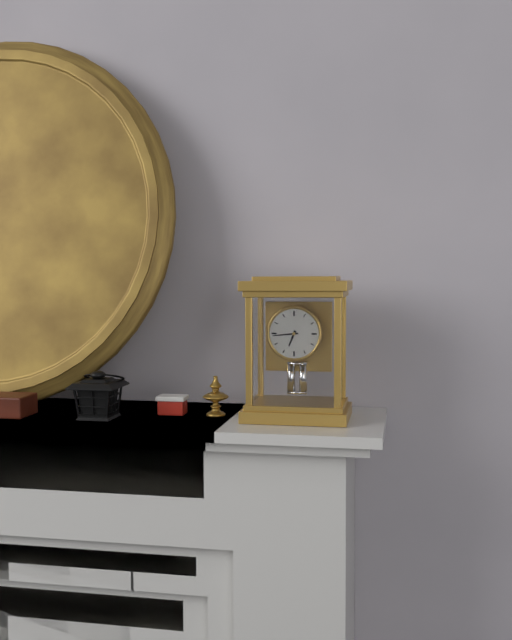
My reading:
6 h 44 min
